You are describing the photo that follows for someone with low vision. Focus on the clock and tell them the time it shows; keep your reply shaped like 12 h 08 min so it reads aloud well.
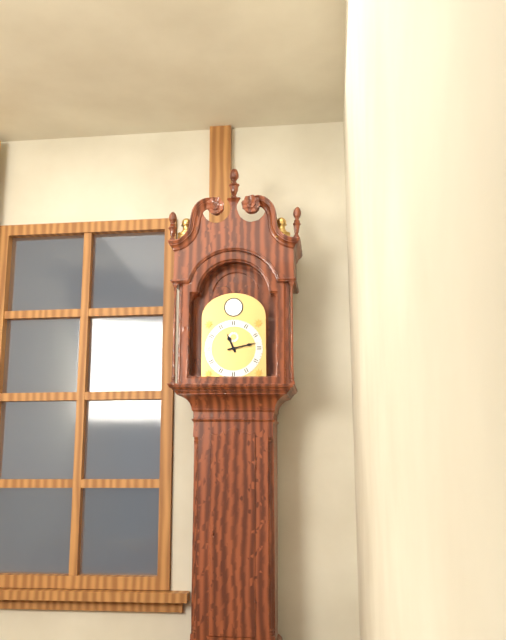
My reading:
11 h 13 min
